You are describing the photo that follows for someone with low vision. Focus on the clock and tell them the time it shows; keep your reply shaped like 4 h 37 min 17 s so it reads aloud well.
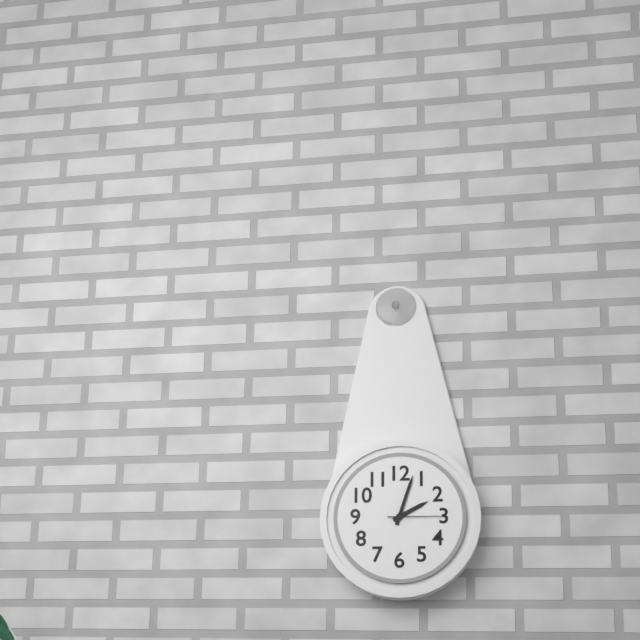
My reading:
2 h 03 min 15 s
